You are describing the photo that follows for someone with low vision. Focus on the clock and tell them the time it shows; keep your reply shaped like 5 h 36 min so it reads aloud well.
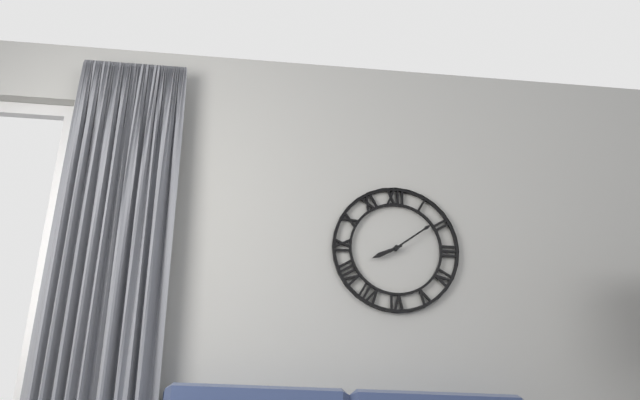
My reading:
8 h 09 min
